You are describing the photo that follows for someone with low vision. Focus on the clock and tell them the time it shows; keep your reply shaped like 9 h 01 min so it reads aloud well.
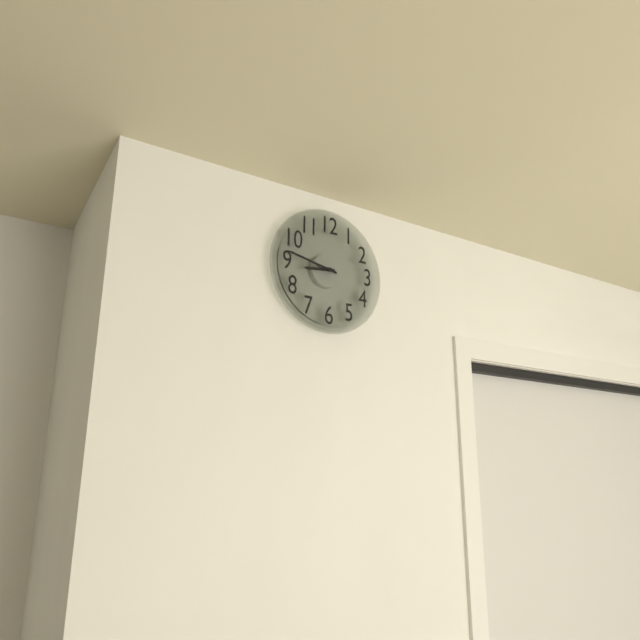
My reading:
8 h 47 min
